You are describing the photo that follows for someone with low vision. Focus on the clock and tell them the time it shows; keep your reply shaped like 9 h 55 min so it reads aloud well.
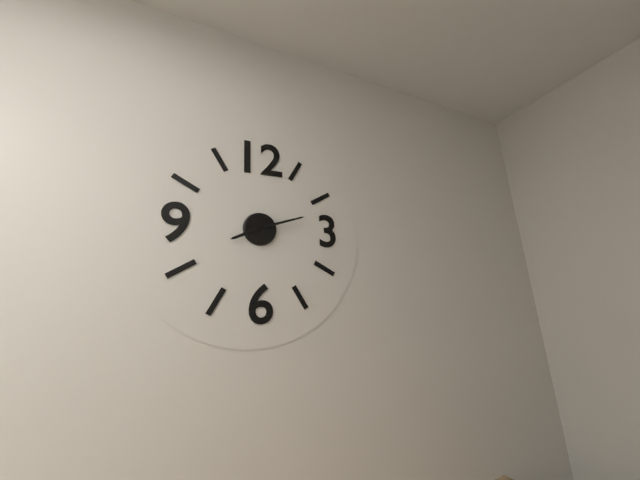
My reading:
8 h 12 min
